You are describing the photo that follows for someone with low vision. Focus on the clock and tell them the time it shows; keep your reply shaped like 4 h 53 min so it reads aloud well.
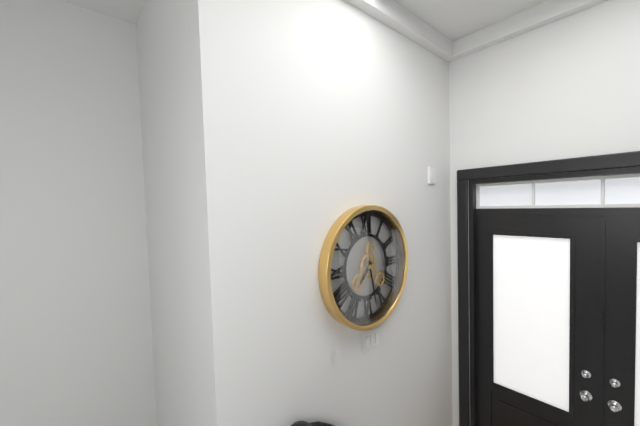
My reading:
7 h 28 min
